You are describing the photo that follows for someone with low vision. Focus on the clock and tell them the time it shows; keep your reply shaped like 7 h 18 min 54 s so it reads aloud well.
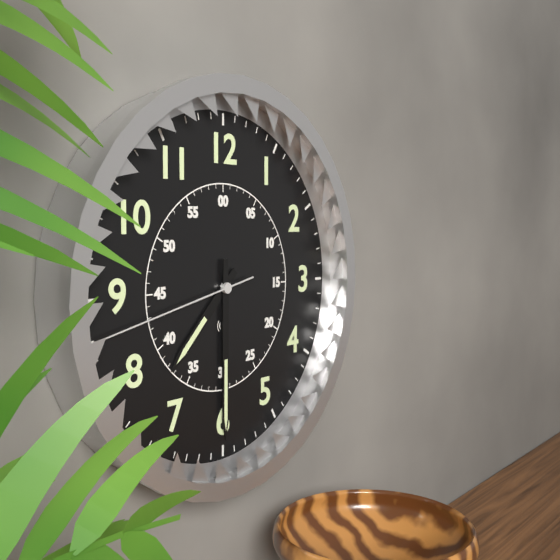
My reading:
7 h 30 min 43 s
